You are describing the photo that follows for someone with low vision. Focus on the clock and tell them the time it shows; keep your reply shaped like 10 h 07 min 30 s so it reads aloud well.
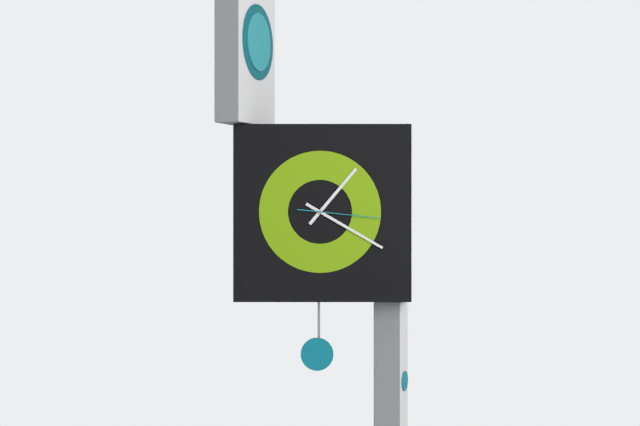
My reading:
1 h 20 min 16 s
